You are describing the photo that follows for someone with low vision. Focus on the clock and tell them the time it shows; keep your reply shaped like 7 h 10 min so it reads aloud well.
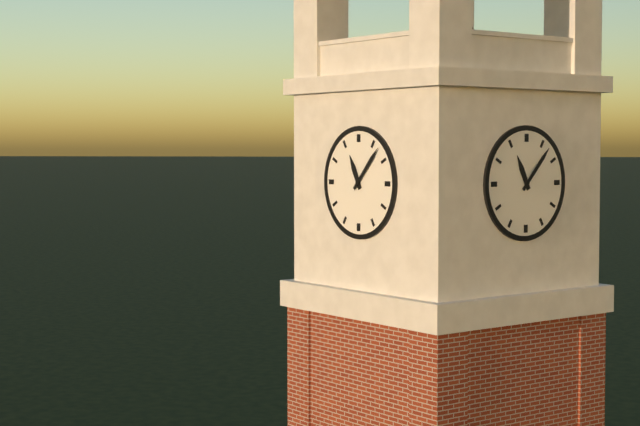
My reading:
11 h 07 min
